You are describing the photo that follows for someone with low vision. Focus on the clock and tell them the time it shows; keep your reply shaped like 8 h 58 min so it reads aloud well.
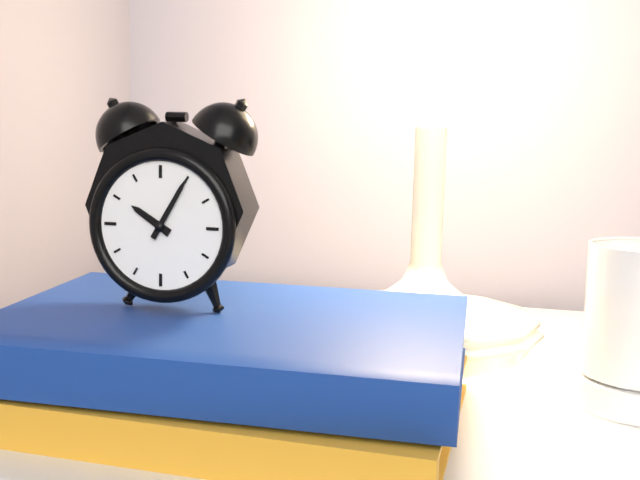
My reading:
10 h 05 min
